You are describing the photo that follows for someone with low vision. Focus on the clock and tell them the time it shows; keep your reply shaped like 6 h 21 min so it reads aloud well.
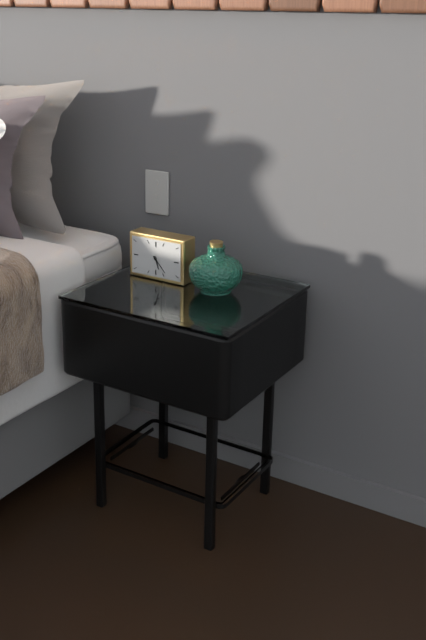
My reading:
5 h 23 min
